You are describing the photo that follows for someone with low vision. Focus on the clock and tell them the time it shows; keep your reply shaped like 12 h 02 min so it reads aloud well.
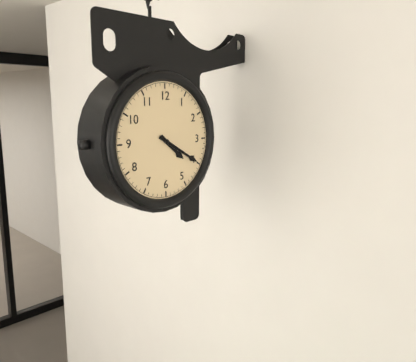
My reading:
4 h 20 min
